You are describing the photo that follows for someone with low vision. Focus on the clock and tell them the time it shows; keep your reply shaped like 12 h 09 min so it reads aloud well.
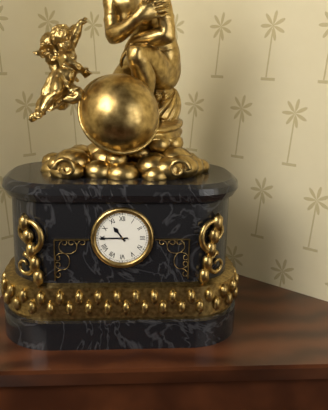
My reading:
10 h 45 min
